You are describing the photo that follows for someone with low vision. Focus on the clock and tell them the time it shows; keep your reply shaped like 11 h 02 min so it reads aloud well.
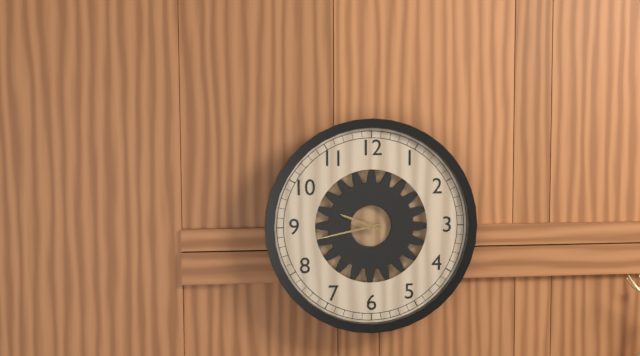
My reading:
9 h 43 min
